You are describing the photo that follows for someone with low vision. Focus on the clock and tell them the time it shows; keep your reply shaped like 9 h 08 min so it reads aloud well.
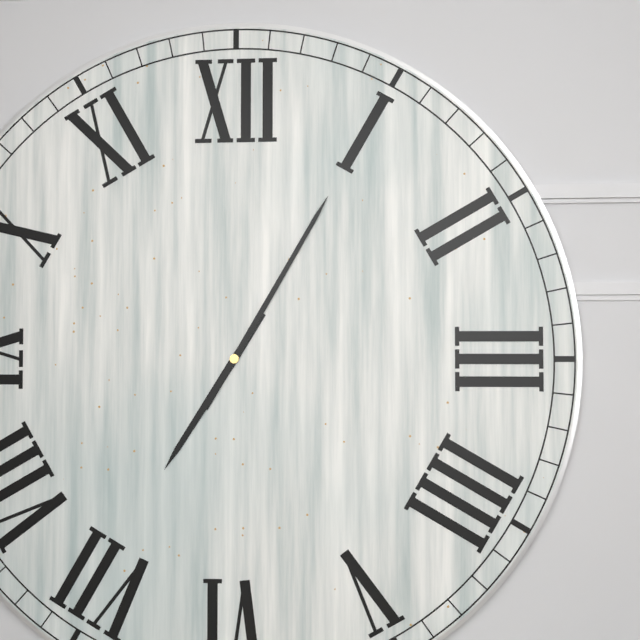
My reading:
7 h 05 min
